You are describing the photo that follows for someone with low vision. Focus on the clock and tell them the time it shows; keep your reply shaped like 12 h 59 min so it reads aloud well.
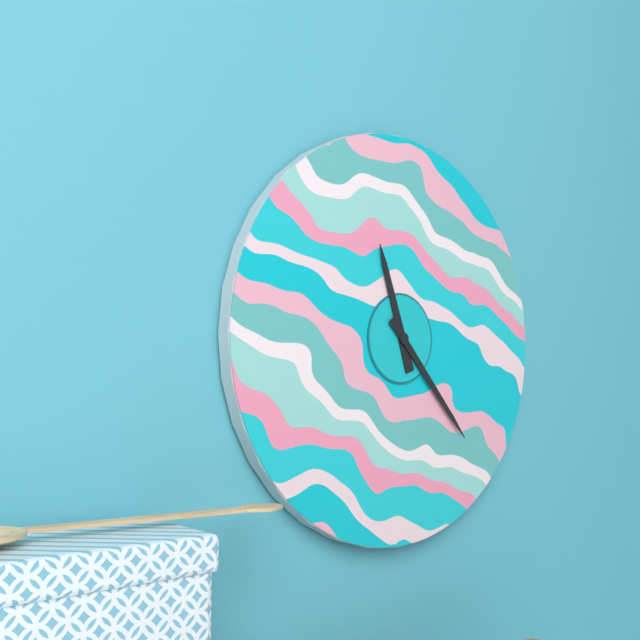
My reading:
11 h 23 min
